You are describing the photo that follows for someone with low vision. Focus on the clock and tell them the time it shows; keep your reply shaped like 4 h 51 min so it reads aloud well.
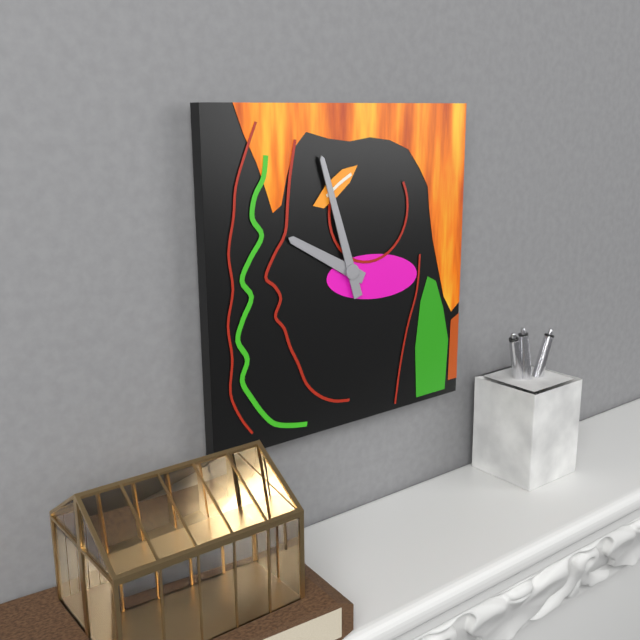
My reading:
9 h 57 min
